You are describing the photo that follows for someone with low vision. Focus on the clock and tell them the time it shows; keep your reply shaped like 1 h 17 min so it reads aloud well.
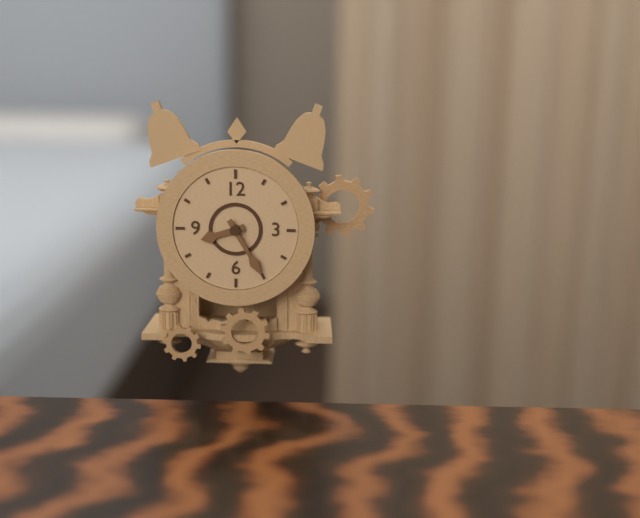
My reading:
8 h 25 min
